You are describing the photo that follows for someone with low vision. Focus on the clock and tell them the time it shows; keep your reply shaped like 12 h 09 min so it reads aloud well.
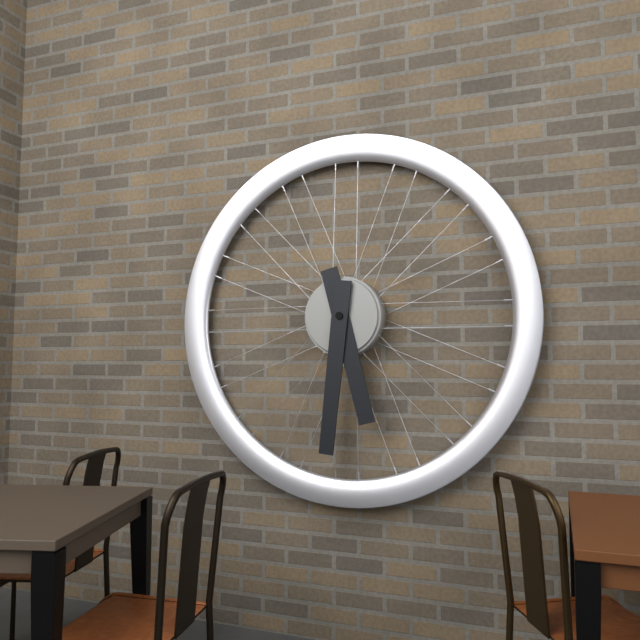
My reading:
5 h 31 min
